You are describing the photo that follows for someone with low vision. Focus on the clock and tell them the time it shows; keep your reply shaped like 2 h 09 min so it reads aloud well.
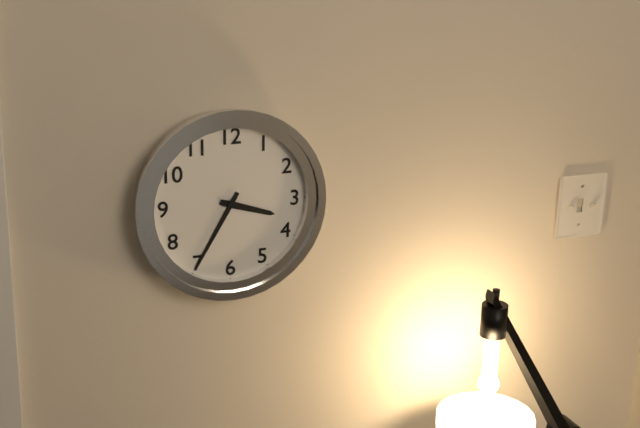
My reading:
3 h 35 min
